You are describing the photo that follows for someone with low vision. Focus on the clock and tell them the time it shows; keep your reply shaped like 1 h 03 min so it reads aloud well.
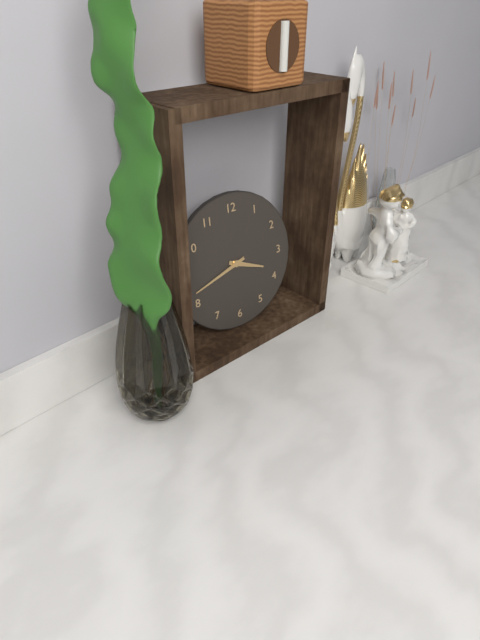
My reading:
3 h 42 min
